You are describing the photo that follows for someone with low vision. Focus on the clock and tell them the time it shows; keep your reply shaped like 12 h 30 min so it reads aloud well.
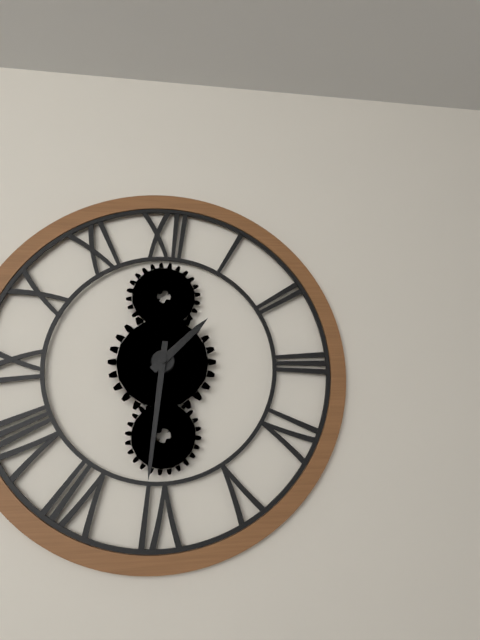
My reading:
1 h 31 min
